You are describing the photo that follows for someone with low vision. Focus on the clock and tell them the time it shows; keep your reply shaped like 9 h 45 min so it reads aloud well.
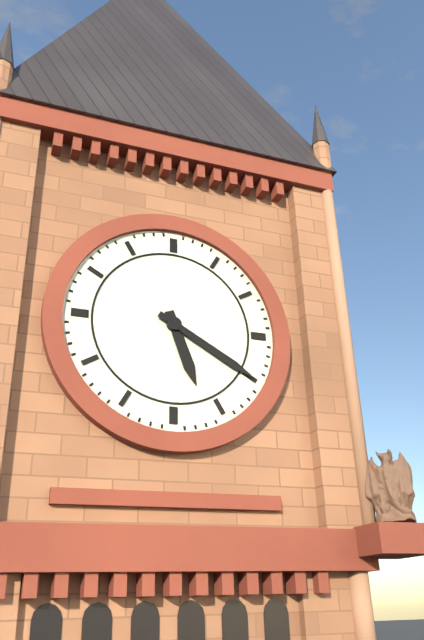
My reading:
5 h 20 min
